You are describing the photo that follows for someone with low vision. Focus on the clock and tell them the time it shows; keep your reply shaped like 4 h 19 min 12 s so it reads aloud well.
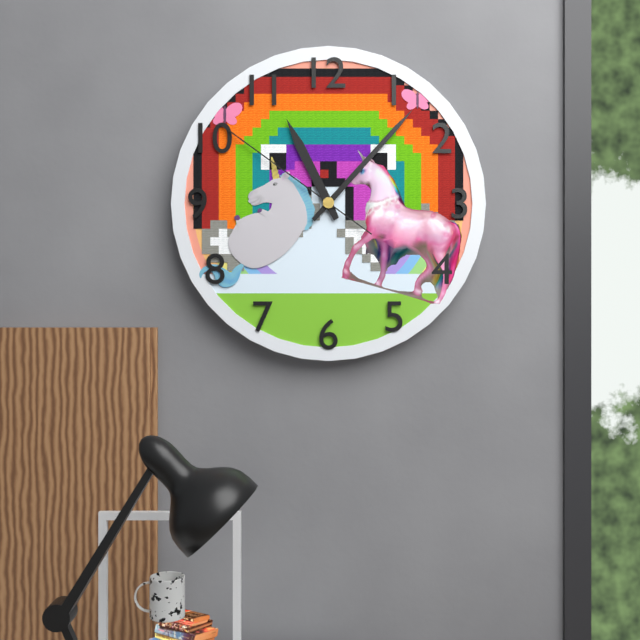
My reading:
11 h 07 min 51 s
